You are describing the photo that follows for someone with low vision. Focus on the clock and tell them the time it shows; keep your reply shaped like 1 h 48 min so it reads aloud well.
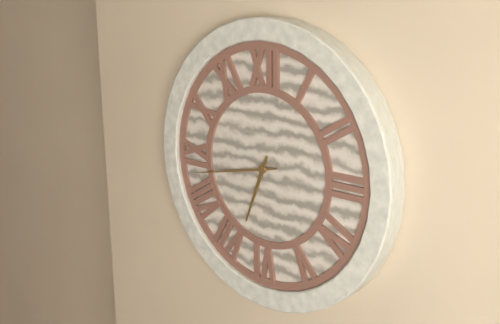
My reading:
6 h 43 min
